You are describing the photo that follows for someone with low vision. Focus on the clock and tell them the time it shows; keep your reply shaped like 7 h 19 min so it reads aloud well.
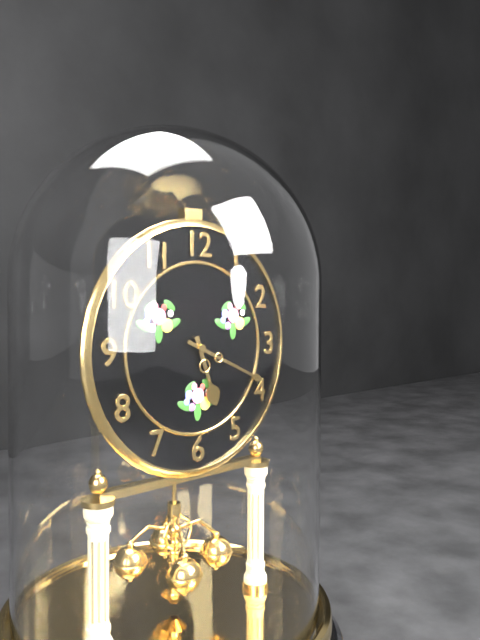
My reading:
5 h 19 min
